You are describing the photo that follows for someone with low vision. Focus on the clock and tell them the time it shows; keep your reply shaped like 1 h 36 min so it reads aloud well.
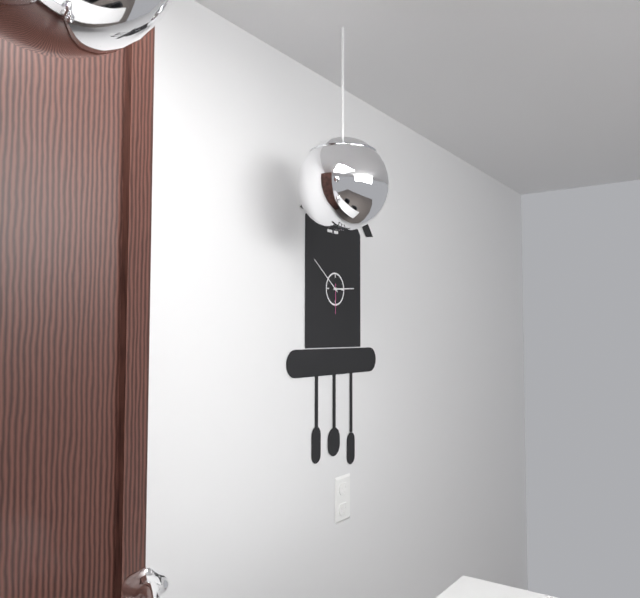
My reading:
2 h 51 min
